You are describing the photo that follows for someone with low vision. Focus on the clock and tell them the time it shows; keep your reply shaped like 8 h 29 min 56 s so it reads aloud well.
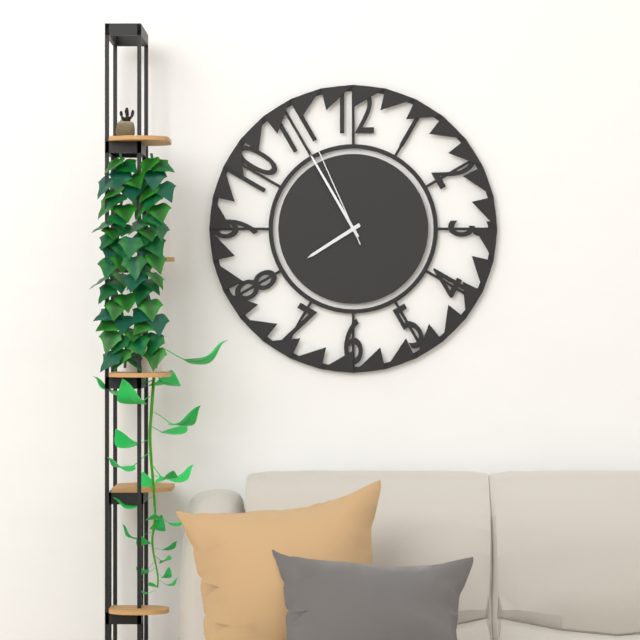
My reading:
7 h 55 min 56 s
